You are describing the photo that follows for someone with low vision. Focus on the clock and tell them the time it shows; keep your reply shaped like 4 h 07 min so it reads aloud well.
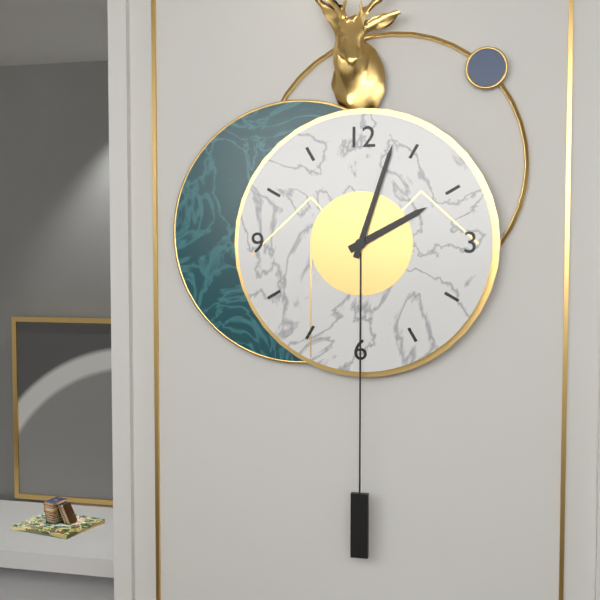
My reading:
2 h 03 min
